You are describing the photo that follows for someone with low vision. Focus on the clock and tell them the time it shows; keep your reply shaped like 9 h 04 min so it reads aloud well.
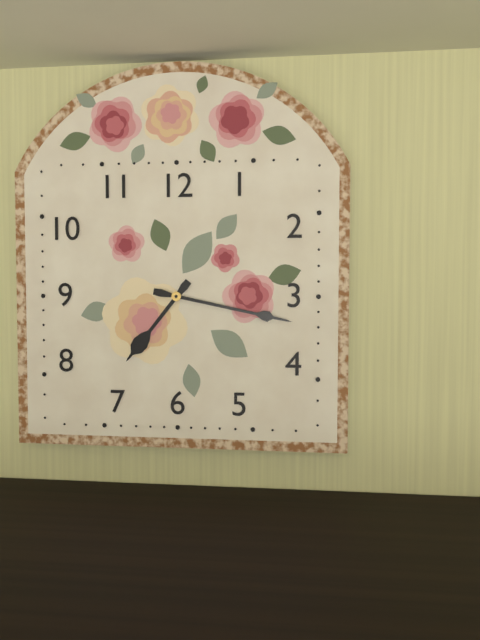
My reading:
7 h 17 min
